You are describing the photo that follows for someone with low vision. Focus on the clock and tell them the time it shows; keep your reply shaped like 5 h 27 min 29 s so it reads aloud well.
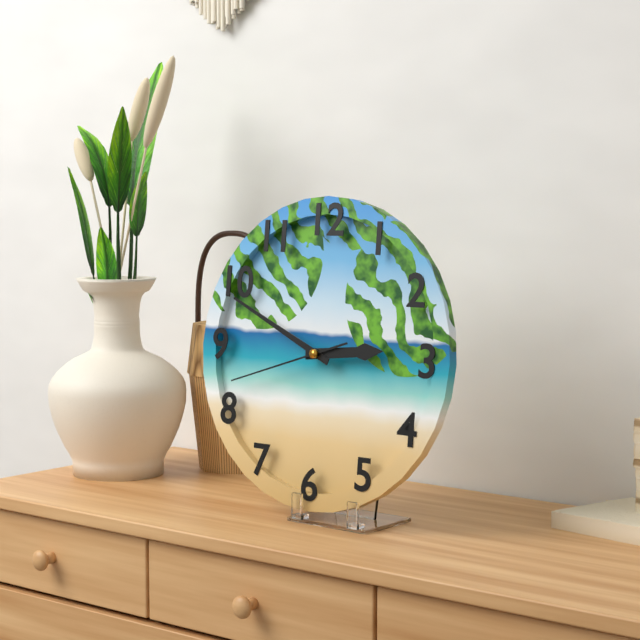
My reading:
2 h 49 min 42 s
